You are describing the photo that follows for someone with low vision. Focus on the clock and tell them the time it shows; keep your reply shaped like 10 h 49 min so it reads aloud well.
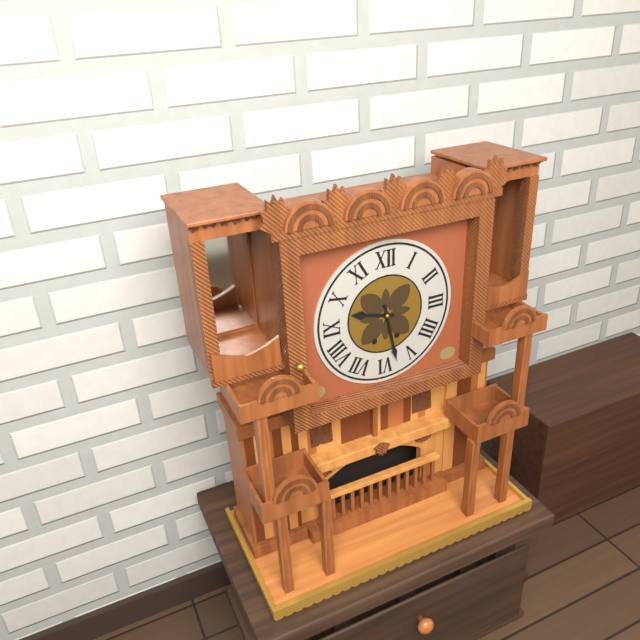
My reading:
9 h 28 min
